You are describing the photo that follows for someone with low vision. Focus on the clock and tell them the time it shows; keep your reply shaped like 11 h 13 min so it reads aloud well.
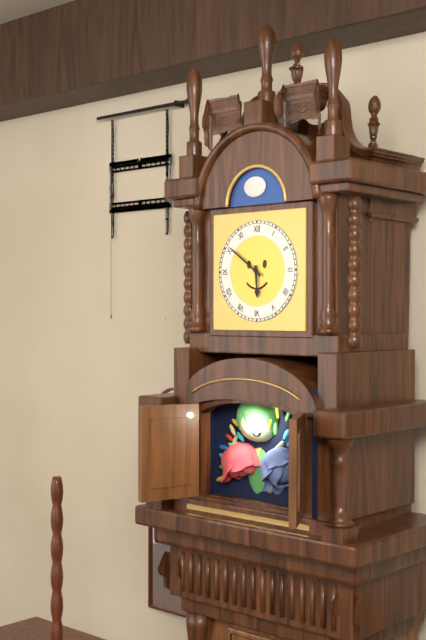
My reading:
5 h 51 min
